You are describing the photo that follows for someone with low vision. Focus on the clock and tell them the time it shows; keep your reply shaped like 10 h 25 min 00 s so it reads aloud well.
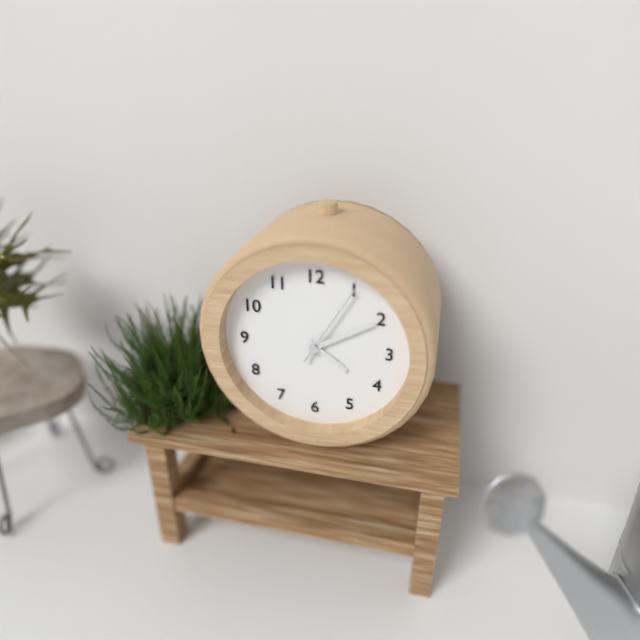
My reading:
4 h 10 min 05 s
